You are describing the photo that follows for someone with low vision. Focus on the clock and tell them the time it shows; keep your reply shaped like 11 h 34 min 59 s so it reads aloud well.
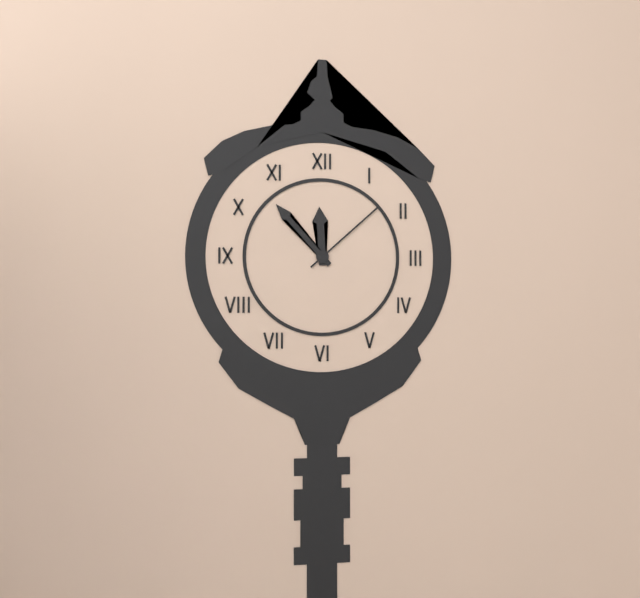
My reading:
11 h 53 min 08 s
